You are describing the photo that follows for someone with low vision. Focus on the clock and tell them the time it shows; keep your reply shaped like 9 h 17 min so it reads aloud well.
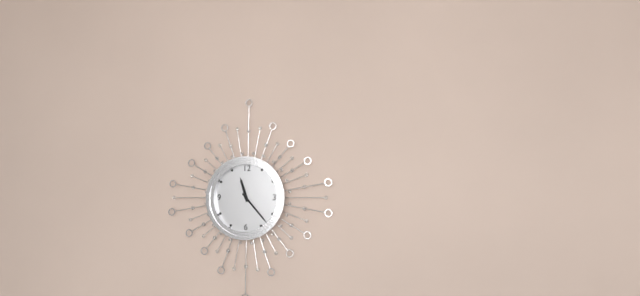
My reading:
11 h 23 min
